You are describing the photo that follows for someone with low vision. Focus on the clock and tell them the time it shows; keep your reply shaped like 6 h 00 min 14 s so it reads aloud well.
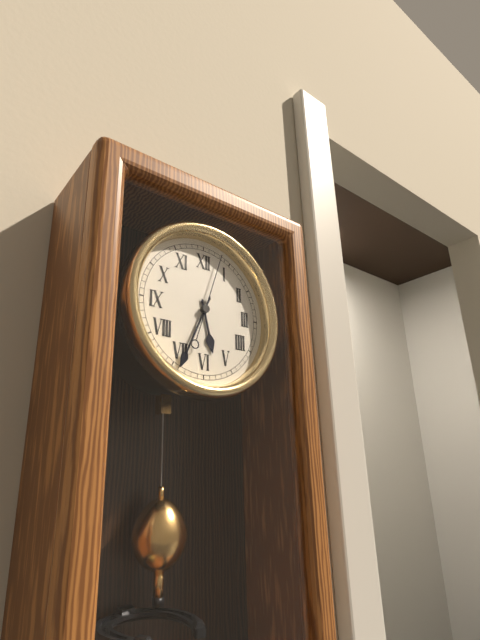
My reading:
5 h 34 min 03 s
